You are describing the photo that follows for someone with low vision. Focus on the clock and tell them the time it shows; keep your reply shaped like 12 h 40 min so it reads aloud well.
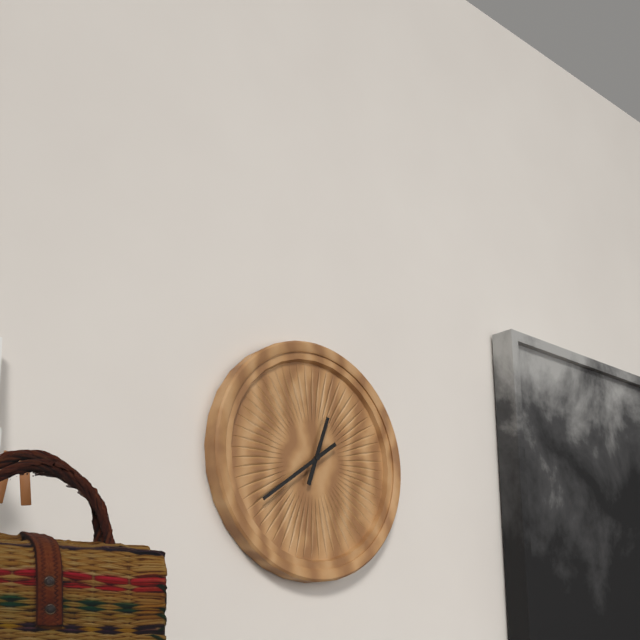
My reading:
12 h 39 min
